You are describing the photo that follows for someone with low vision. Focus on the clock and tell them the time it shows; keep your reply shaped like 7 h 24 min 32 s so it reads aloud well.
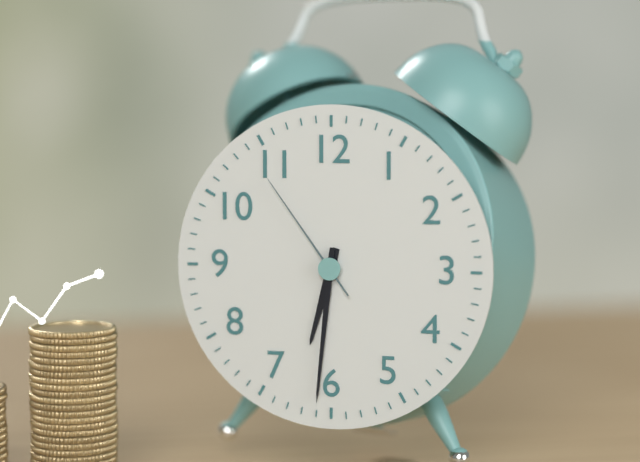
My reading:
6 h 31 min 54 s
